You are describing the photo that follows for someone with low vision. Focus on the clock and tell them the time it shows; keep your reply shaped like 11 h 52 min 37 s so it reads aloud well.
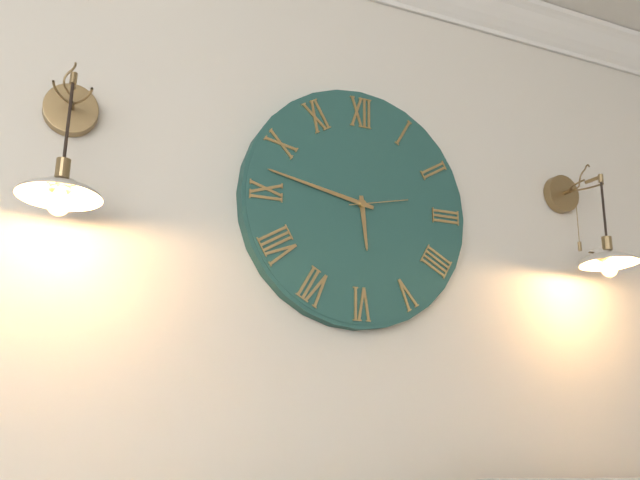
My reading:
5 h 47 min 13 s
